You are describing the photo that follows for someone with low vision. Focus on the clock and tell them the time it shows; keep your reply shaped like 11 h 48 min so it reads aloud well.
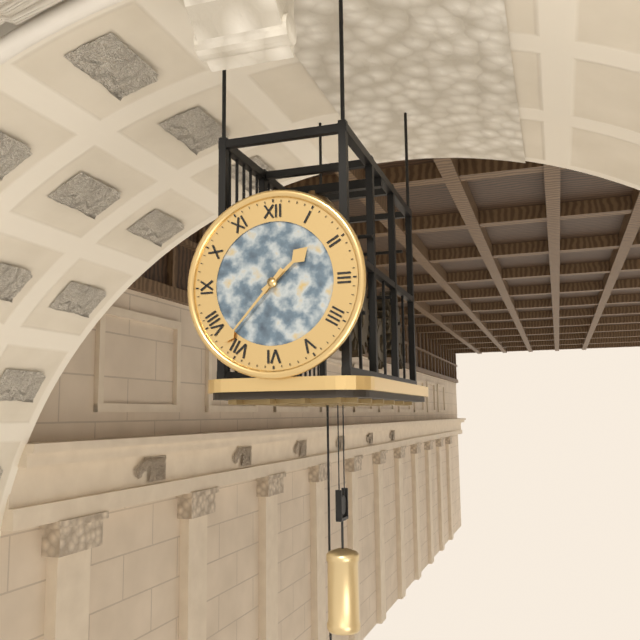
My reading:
1 h 37 min
